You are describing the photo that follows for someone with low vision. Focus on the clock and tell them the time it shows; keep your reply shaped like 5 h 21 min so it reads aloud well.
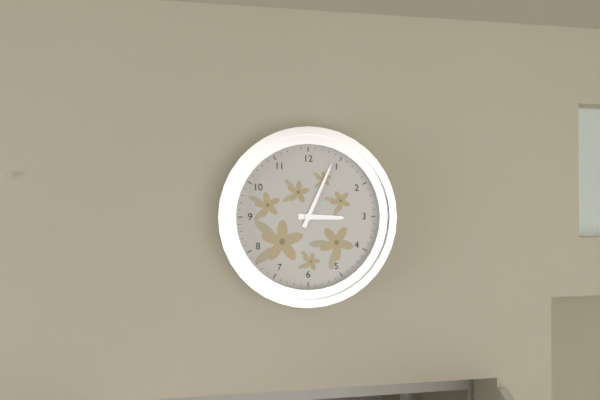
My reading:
3 h 04 min
